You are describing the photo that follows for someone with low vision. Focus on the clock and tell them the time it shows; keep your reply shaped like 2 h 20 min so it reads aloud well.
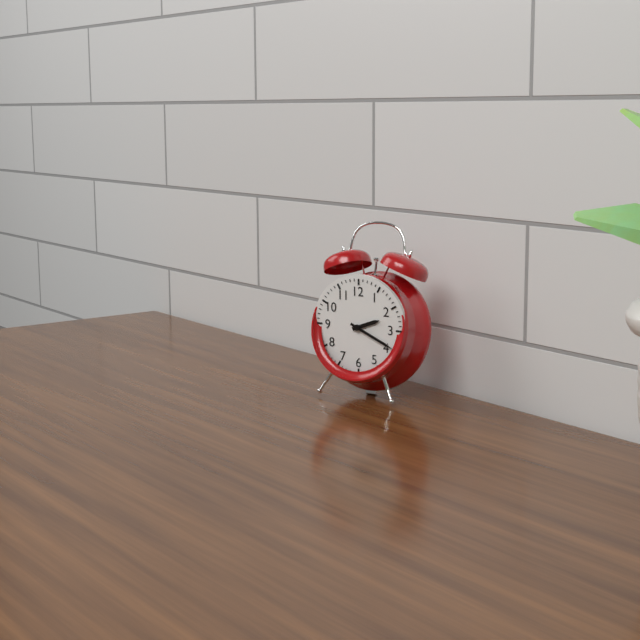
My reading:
2 h 19 min
